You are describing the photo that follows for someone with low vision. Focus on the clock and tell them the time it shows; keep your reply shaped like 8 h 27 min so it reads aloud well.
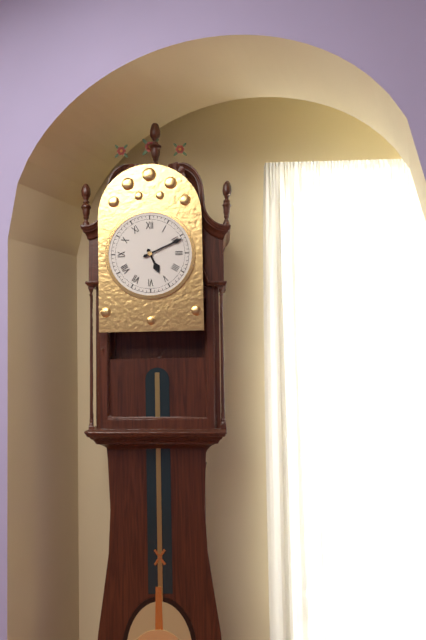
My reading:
5 h 11 min
